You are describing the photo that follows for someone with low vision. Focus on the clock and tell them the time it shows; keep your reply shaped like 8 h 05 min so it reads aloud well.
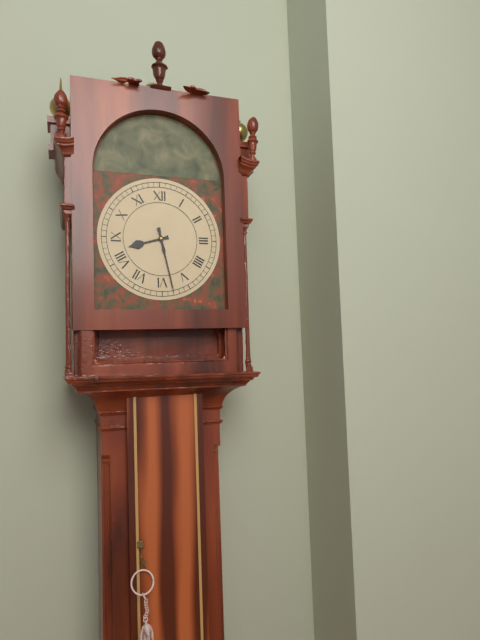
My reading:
8 h 28 min
